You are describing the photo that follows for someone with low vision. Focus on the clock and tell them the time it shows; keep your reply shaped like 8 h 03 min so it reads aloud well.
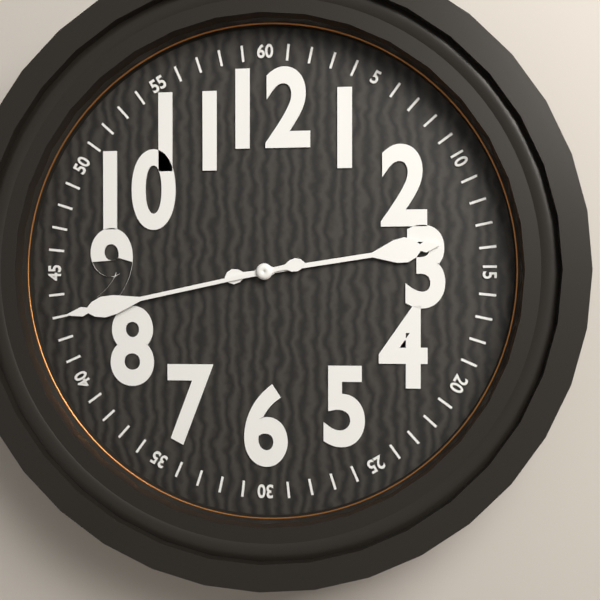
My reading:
2 h 43 min
